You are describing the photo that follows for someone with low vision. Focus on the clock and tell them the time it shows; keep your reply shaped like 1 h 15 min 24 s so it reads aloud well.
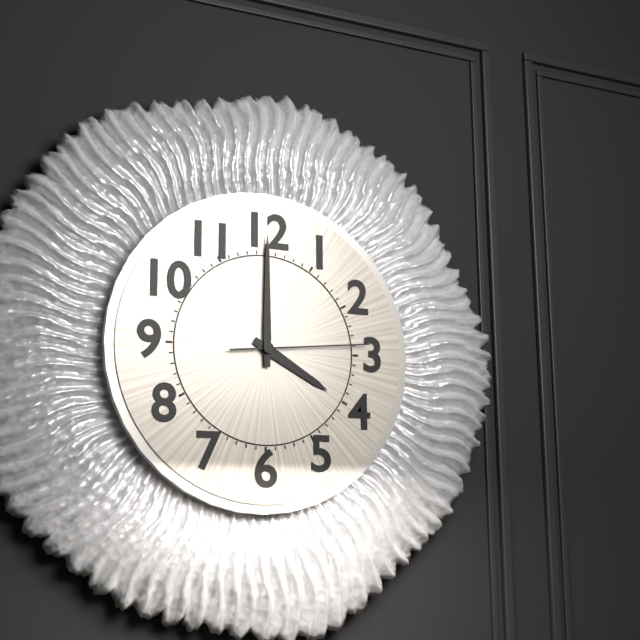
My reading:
4 h 00 min 14 s
